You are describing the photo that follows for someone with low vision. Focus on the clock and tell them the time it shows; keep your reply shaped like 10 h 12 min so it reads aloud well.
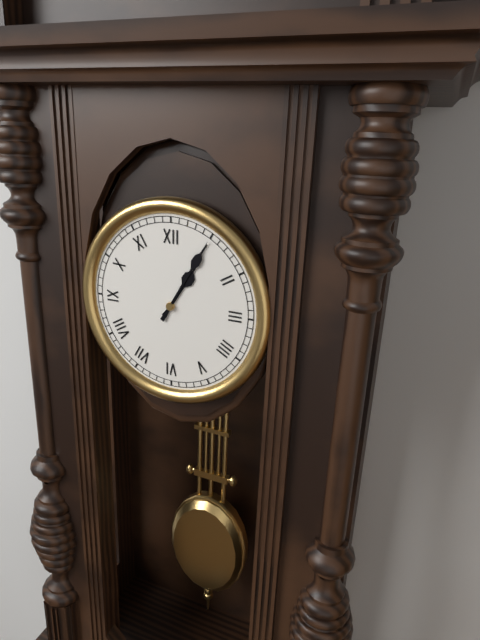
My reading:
1 h 05 min
